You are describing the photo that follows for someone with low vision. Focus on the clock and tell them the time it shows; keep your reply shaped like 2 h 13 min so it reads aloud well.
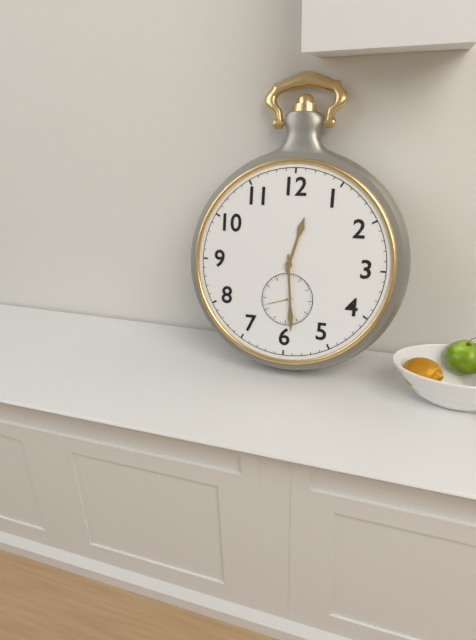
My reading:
12 h 29 min
